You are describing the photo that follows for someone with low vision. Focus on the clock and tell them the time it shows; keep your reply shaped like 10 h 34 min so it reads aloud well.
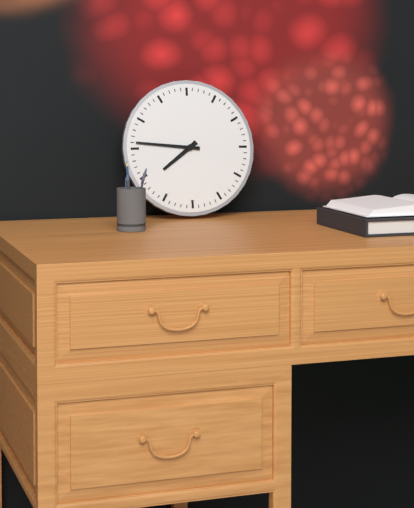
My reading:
7 h 46 min
